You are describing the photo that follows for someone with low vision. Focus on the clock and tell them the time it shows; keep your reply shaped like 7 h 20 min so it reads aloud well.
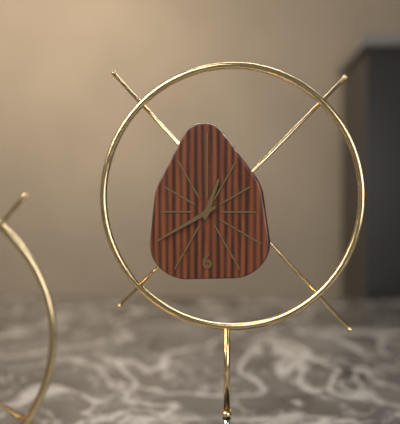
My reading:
12 h 40 min
